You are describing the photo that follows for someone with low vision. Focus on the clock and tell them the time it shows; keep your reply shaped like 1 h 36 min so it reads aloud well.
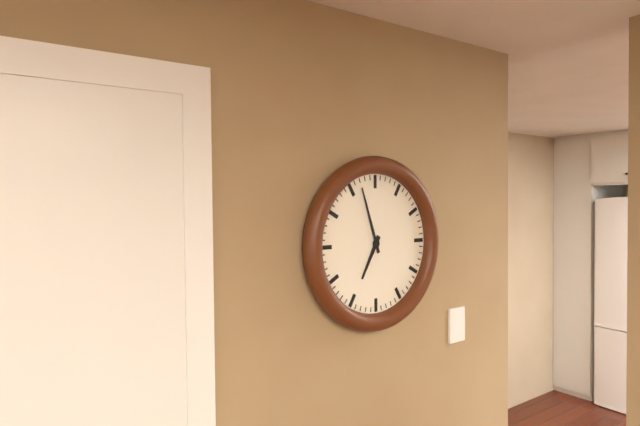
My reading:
6 h 57 min
